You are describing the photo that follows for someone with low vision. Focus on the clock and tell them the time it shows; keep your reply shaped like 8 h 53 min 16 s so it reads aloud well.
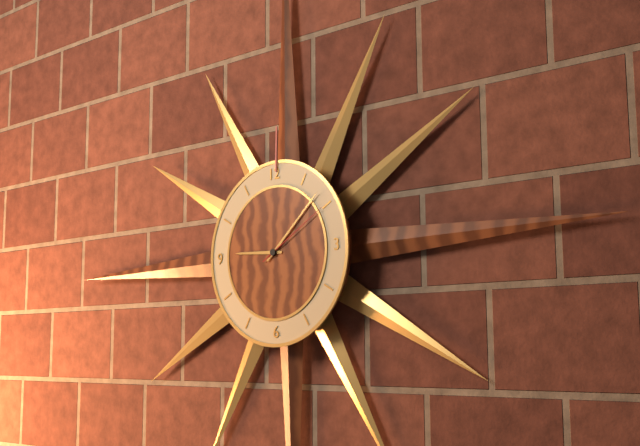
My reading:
9 h 08 min 10 s
